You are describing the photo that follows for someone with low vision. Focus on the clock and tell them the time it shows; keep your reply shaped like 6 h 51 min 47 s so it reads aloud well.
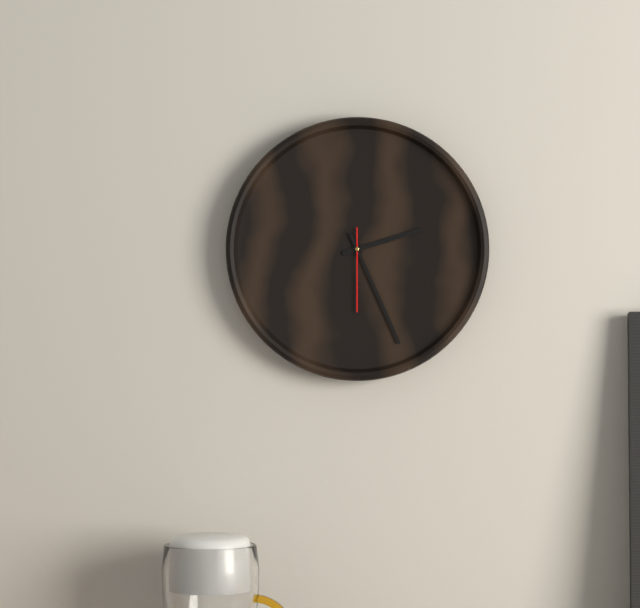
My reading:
2 h 26 min 30 s
